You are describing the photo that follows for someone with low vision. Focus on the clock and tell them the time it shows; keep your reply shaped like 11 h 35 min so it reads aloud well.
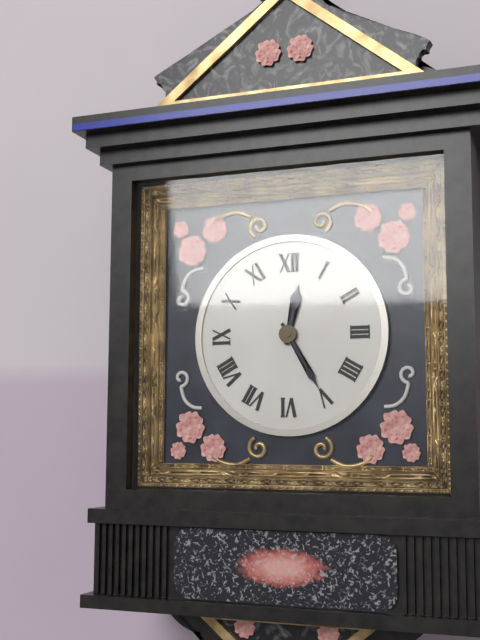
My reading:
12 h 25 min
